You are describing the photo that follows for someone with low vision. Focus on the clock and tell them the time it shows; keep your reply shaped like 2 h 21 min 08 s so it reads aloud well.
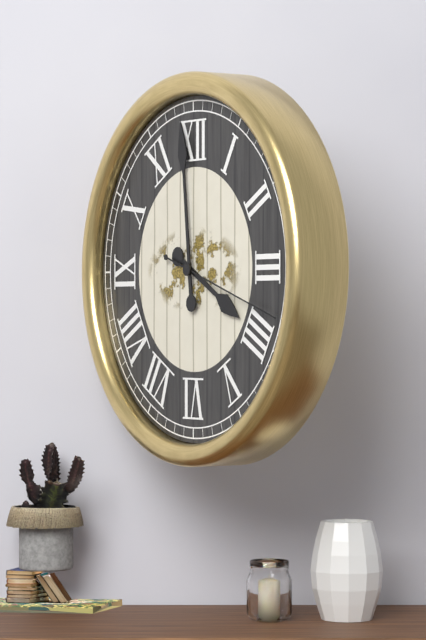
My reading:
3 h 59 min 18 s
